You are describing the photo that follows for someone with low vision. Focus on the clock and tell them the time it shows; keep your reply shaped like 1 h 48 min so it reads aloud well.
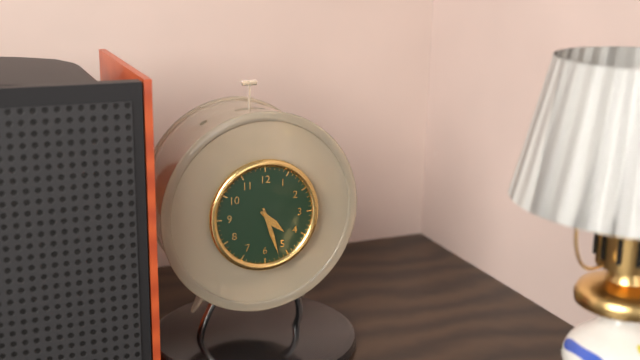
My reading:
4 h 27 min
